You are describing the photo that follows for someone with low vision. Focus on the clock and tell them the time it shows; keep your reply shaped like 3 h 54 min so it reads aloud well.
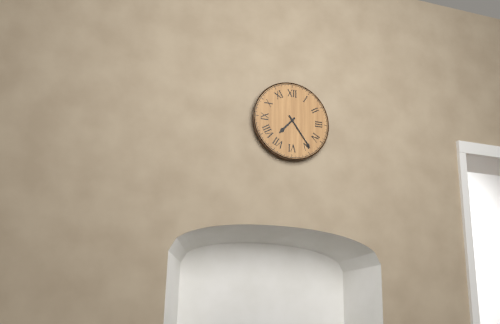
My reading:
7 h 24 min
